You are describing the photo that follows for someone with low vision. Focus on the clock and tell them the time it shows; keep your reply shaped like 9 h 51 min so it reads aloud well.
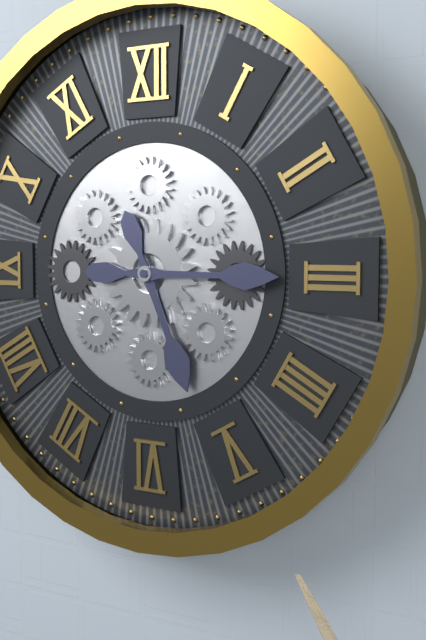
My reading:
5 h 15 min
